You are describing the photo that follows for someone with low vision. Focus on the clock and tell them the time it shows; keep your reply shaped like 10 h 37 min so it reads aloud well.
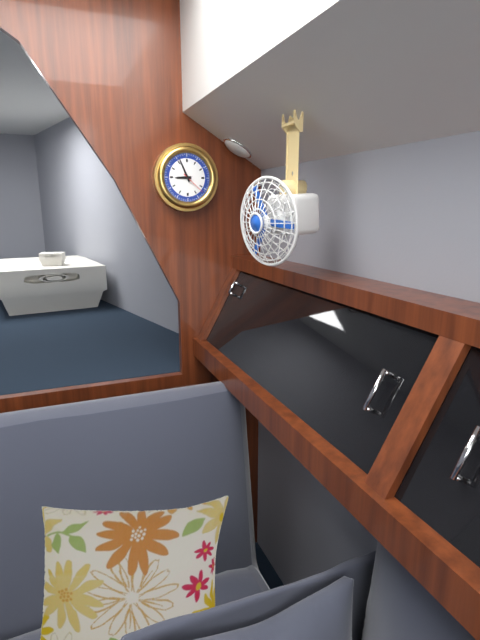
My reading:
8 h 56 min
